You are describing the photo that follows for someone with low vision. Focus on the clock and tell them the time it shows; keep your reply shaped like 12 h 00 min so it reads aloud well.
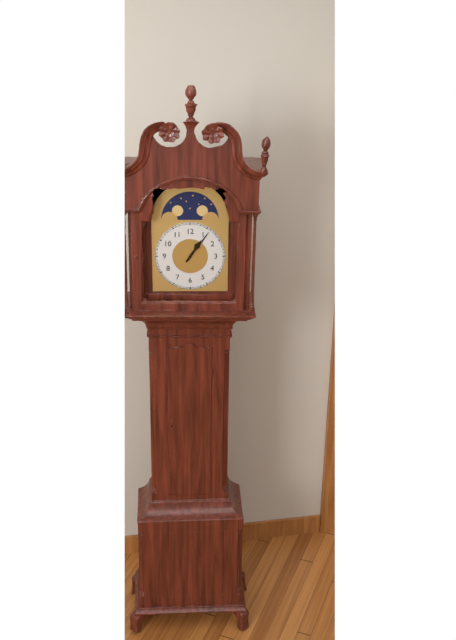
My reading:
1 h 06 min
